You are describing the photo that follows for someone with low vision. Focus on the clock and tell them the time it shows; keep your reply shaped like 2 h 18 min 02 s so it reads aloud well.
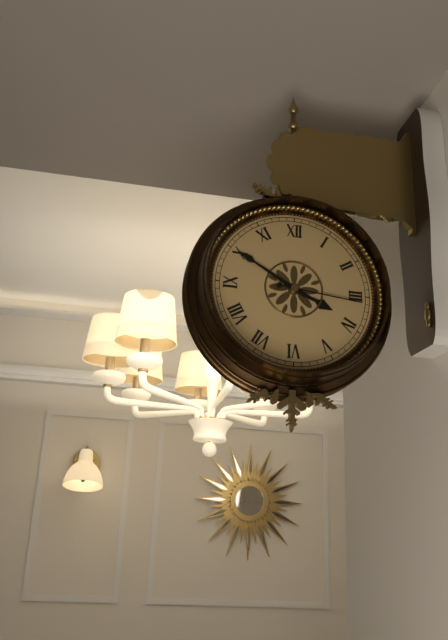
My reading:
3 h 50 min 16 s
